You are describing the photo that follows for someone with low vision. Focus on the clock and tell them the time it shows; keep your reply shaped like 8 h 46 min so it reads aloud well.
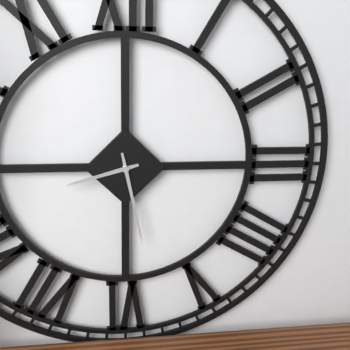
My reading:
8 h 28 min
